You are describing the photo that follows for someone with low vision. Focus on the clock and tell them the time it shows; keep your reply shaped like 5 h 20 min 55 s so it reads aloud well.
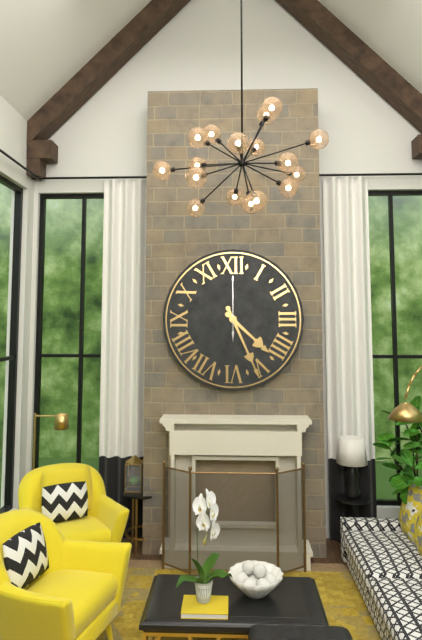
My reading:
4 h 26 min 00 s
